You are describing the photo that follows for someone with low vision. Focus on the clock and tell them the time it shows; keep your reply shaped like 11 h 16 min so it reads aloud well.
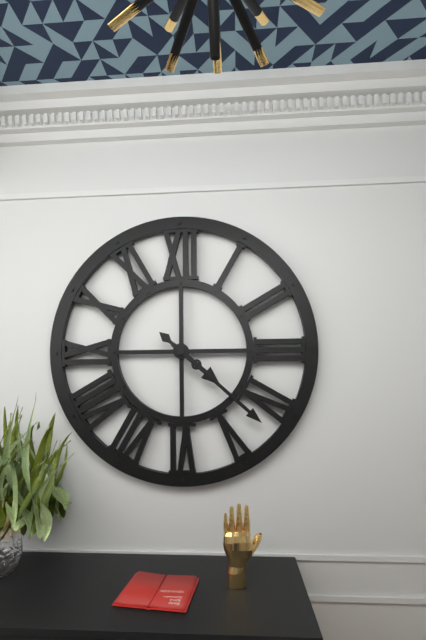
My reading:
4 h 22 min
